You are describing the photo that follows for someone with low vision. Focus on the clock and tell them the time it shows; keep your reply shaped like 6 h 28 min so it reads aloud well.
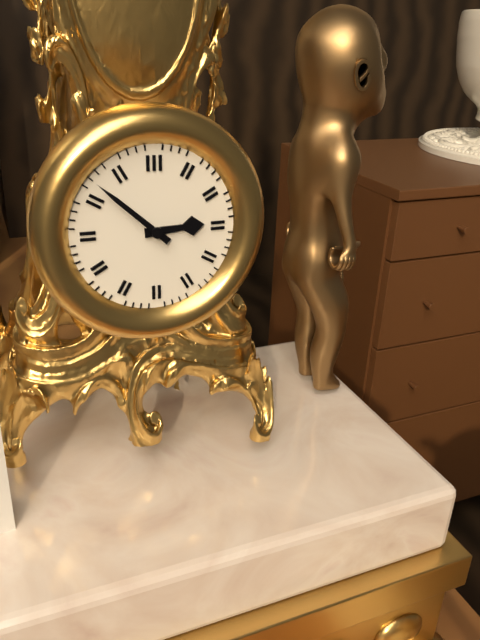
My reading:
2 h 52 min
